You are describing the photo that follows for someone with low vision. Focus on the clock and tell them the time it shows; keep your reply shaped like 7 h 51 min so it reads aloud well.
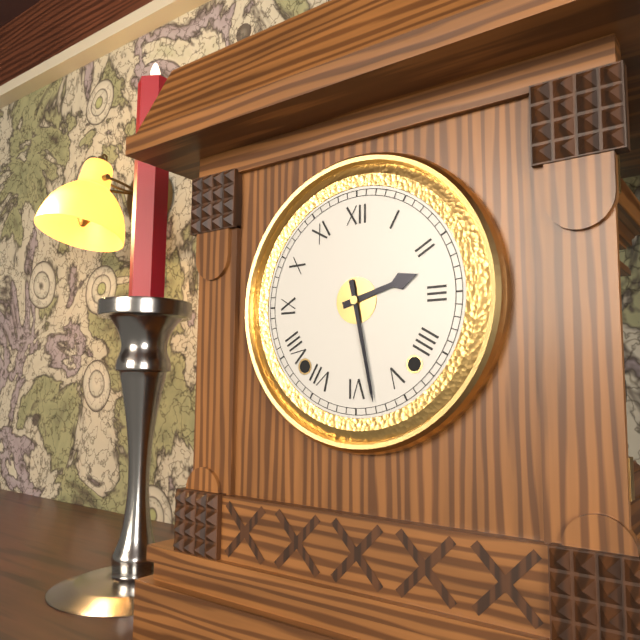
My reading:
2 h 28 min
